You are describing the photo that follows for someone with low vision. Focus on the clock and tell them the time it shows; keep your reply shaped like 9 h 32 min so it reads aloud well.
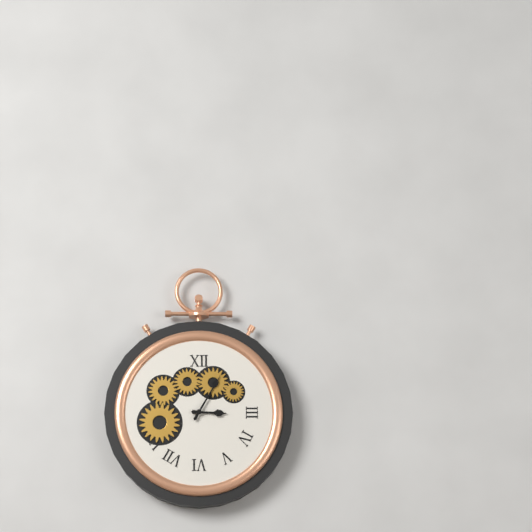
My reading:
3 h 05 min
